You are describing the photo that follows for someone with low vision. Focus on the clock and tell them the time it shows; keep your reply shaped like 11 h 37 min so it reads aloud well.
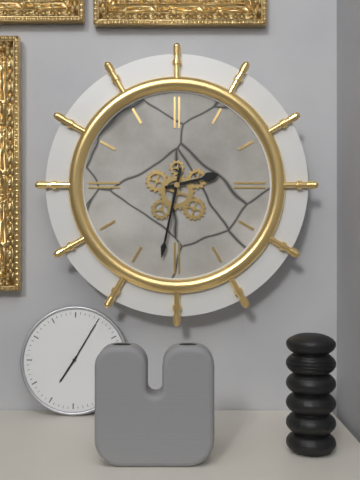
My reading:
2 h 32 min
